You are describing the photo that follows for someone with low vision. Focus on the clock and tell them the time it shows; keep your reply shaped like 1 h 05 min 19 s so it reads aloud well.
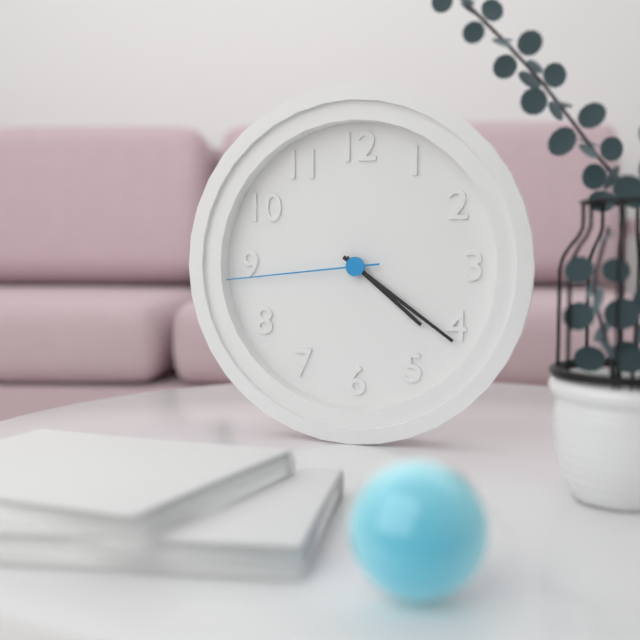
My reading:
4 h 21 min 44 s
